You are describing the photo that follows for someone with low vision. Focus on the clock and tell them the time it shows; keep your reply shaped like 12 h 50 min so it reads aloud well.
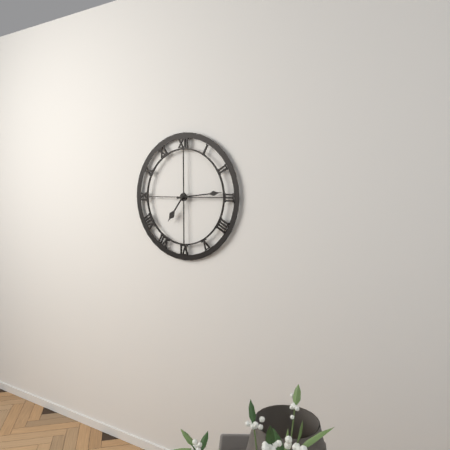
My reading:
7 h 14 min
